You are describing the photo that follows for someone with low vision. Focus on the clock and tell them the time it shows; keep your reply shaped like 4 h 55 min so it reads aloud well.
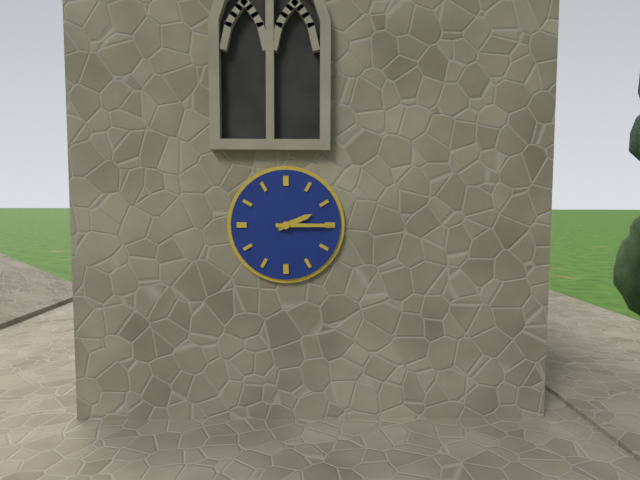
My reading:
2 h 15 min
